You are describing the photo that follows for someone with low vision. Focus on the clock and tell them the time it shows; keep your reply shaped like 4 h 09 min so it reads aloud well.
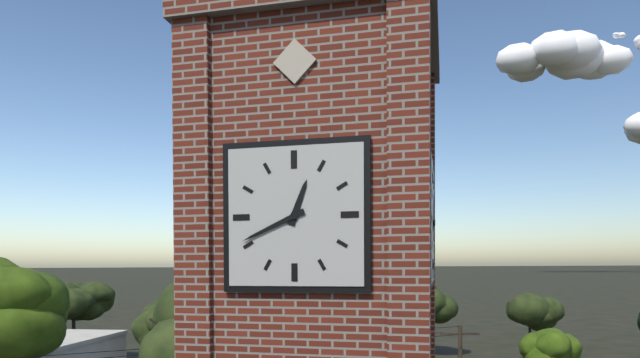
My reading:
12 h 41 min
